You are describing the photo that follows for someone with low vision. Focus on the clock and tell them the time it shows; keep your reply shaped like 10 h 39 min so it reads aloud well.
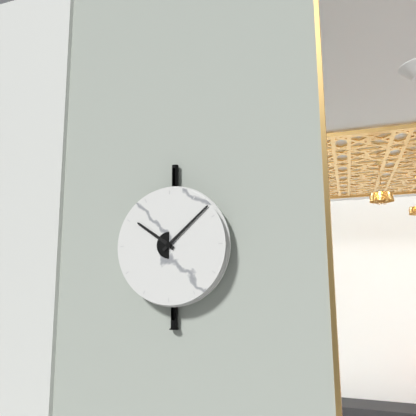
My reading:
10 h 08 min
